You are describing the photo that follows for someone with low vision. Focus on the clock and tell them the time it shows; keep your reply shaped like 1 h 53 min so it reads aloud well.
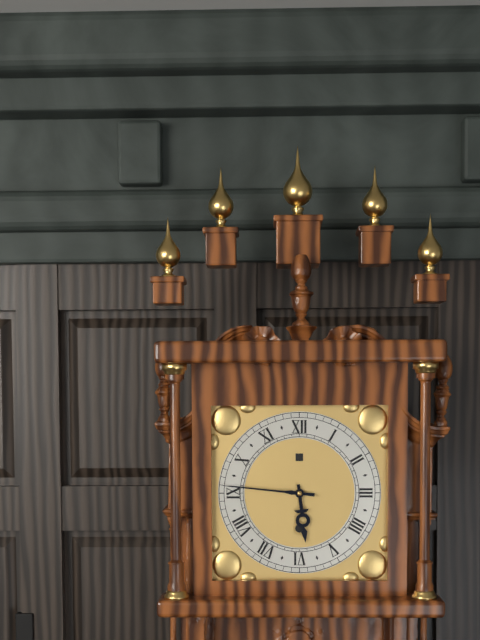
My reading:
5 h 46 min
